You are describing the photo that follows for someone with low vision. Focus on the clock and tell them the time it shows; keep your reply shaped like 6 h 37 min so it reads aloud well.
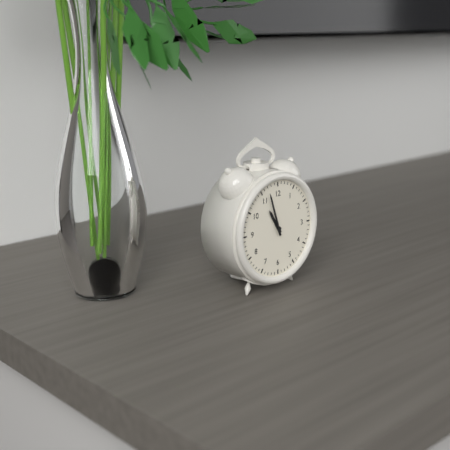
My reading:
10 h 57 min
